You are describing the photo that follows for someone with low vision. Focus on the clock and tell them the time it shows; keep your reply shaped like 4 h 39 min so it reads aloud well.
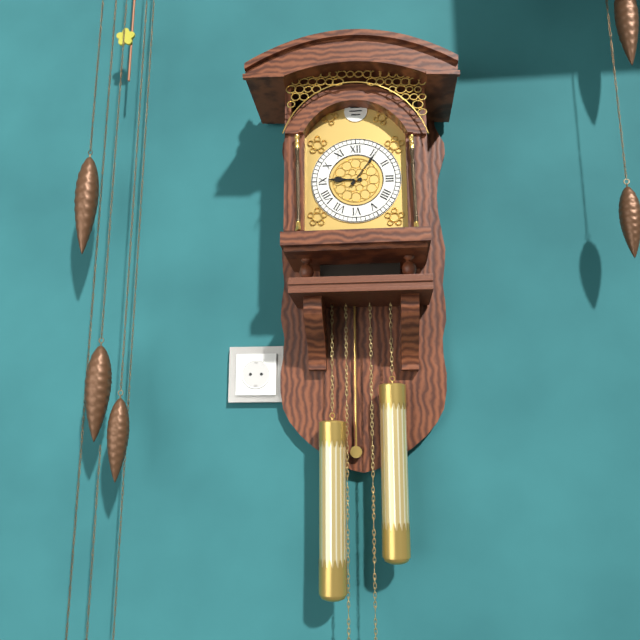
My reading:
9 h 06 min
